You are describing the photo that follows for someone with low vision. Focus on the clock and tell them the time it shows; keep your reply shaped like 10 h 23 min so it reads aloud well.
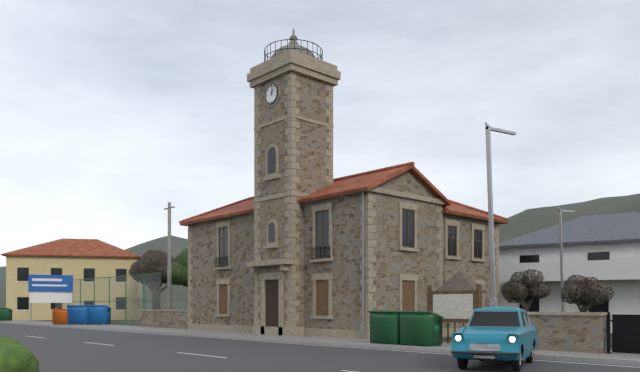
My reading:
1 h 02 min
